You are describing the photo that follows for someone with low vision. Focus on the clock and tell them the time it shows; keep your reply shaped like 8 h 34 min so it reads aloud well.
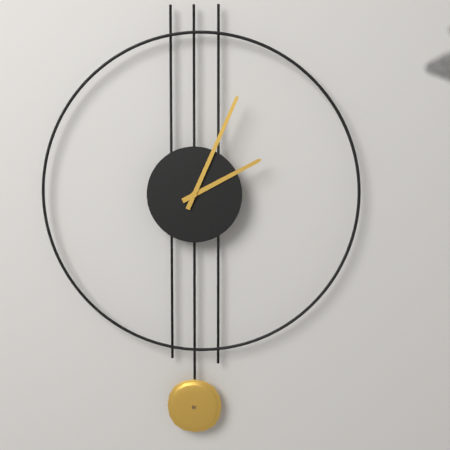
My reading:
2 h 04 min
